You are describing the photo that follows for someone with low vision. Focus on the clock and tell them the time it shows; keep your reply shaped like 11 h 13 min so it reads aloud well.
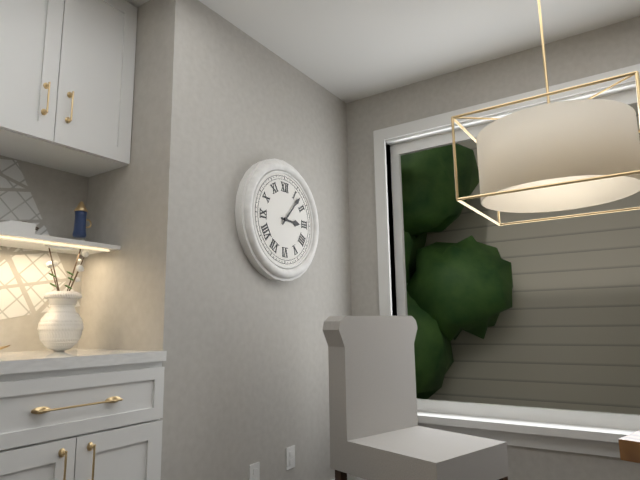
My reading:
3 h 07 min
